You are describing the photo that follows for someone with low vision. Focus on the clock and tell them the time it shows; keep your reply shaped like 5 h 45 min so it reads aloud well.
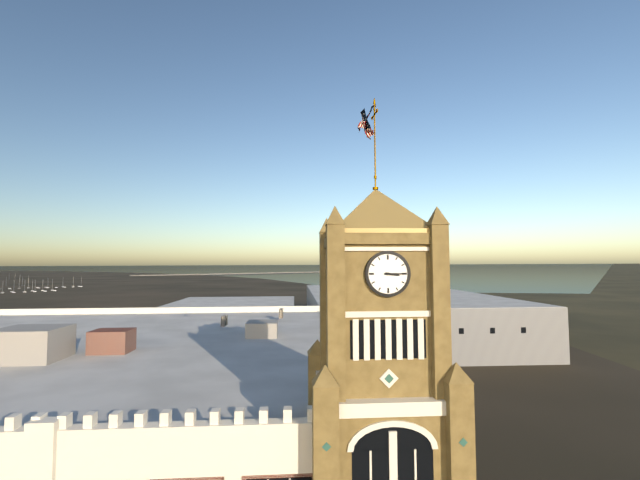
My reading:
3 h 15 min
